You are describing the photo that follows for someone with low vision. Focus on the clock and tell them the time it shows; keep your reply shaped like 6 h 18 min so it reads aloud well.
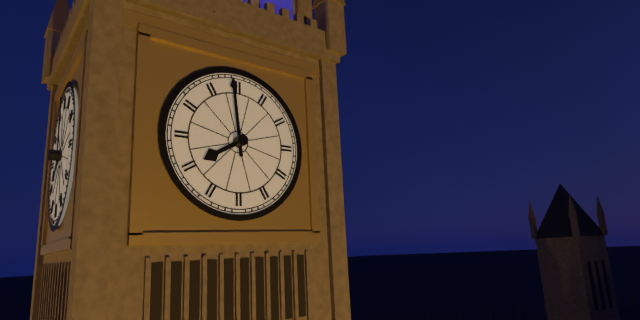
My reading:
7 h 59 min
